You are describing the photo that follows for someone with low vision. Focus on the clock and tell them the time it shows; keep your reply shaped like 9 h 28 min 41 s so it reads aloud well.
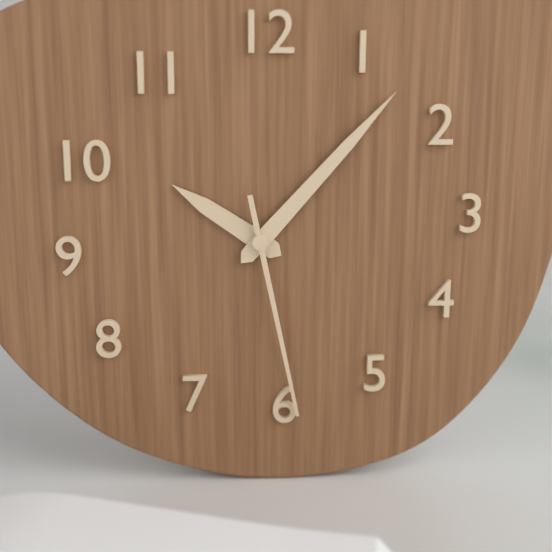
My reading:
10 h 07 min 28 s
